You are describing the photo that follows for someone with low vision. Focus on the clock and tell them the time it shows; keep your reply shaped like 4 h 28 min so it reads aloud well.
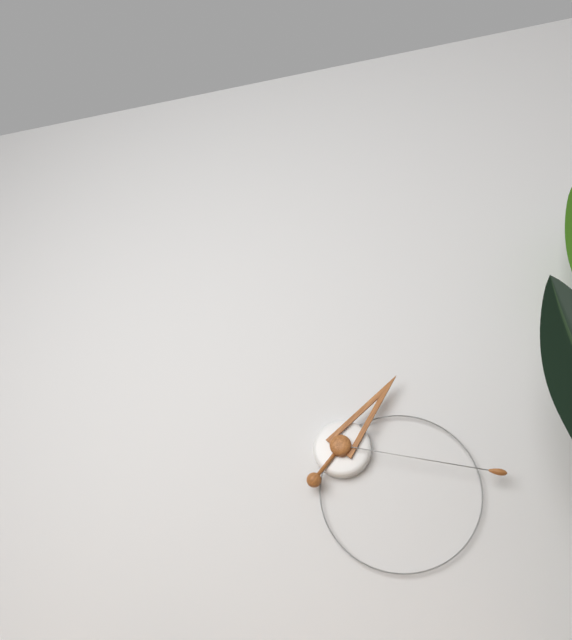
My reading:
1 h 17 min
